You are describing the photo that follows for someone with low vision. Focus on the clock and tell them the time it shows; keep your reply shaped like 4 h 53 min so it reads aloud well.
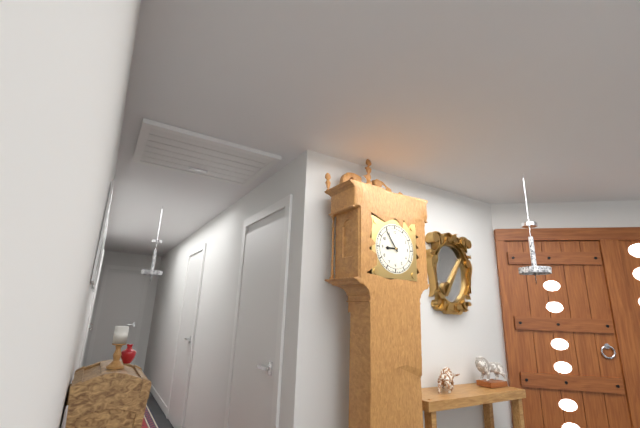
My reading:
8 h 54 min
